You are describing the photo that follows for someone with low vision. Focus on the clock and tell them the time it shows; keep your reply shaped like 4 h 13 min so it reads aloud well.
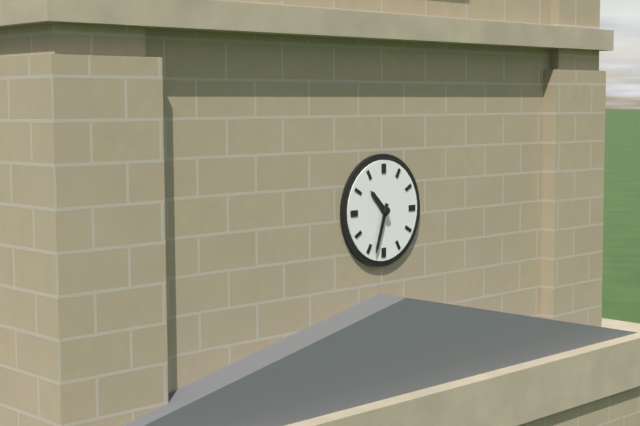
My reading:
10 h 33 min
